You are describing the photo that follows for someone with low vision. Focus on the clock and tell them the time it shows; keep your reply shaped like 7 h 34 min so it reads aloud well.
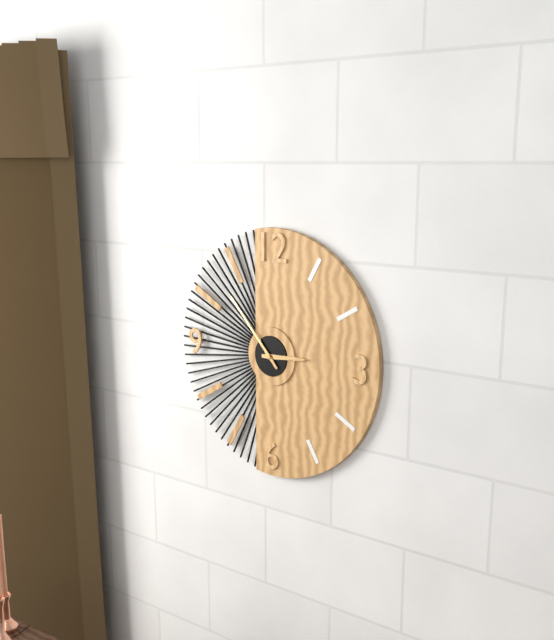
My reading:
2 h 53 min
